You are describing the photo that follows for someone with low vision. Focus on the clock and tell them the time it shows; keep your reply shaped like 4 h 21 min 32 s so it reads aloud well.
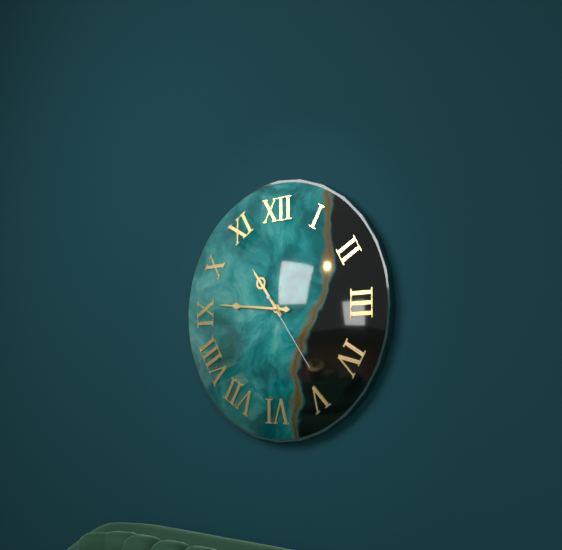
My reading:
10 h 46 min 24 s
